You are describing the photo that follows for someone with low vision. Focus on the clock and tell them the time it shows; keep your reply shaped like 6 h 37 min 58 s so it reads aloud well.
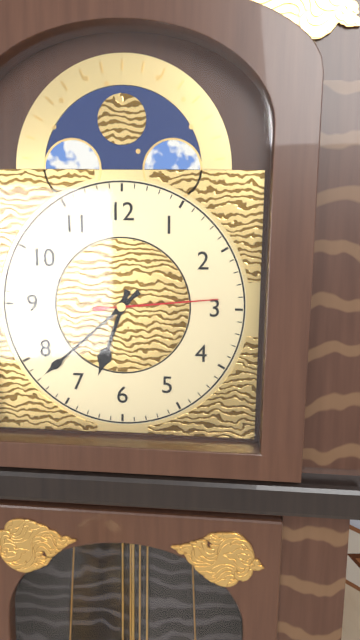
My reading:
6 h 38 min 14 s
